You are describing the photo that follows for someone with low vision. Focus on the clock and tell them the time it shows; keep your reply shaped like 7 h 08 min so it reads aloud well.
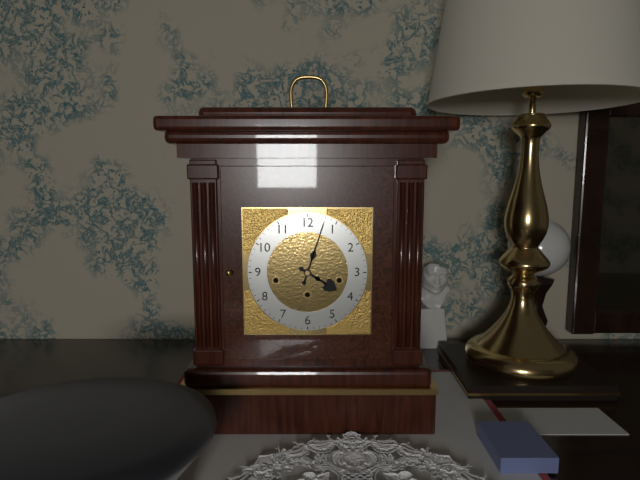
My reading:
4 h 03 min
